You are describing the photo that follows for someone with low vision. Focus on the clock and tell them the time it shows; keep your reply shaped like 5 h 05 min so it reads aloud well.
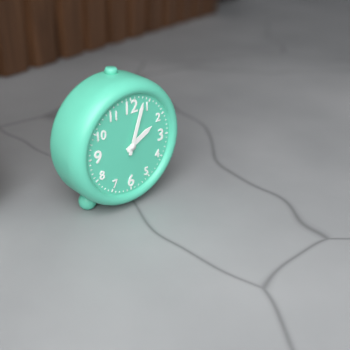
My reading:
2 h 03 min
